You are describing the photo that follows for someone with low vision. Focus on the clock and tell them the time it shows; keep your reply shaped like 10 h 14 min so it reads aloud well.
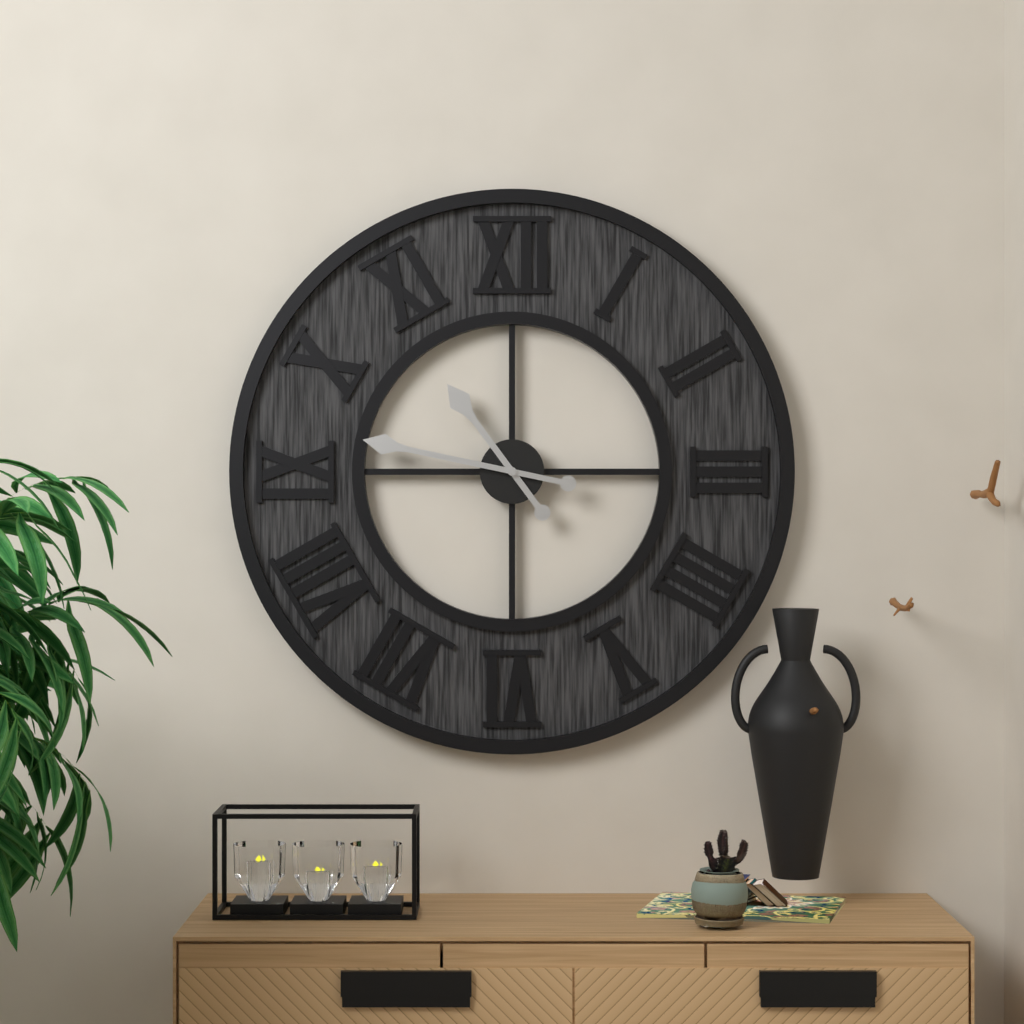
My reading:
10 h 47 min
